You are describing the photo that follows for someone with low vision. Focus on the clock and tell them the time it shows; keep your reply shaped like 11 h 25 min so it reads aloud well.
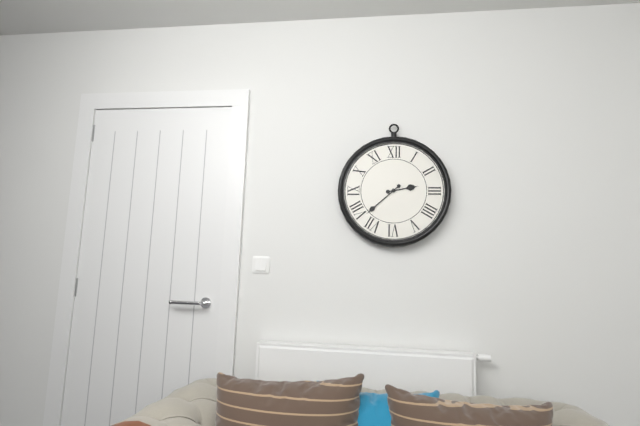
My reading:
2 h 38 min
